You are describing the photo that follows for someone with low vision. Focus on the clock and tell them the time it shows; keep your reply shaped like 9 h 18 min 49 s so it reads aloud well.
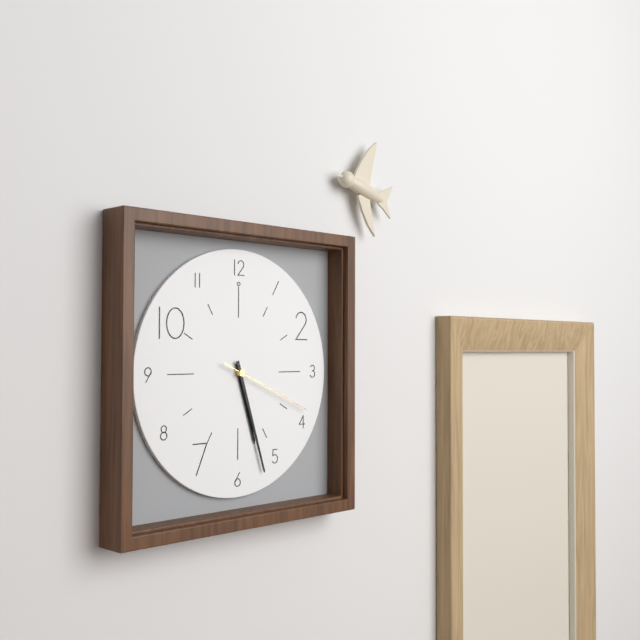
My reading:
5 h 27 min 19 s
